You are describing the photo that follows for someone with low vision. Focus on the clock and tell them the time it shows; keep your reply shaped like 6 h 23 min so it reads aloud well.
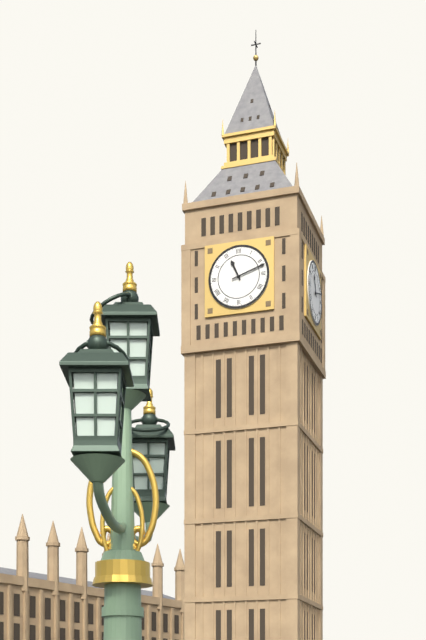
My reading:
11 h 12 min
